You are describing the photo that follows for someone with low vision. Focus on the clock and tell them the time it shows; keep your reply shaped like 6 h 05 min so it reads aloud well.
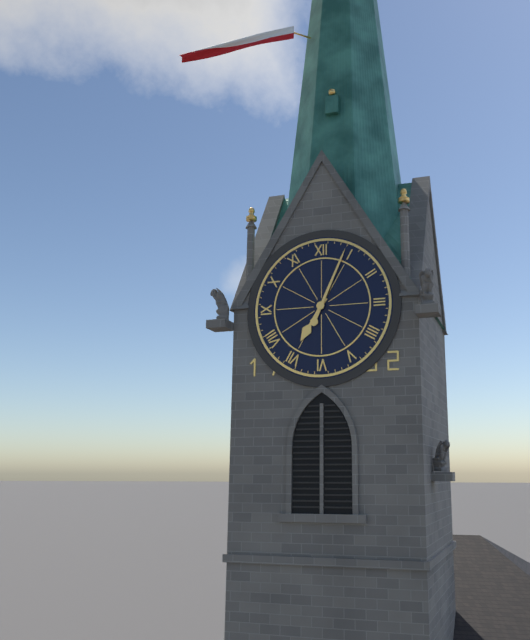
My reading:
7 h 04 min
